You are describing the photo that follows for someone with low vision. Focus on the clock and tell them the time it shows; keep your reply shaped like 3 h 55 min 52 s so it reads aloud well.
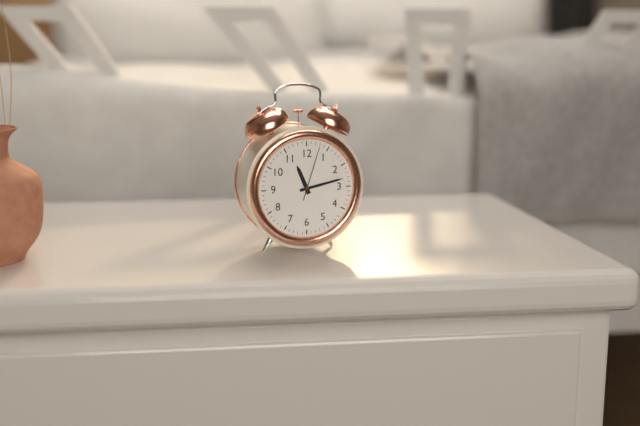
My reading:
11 h 13 min 03 s
